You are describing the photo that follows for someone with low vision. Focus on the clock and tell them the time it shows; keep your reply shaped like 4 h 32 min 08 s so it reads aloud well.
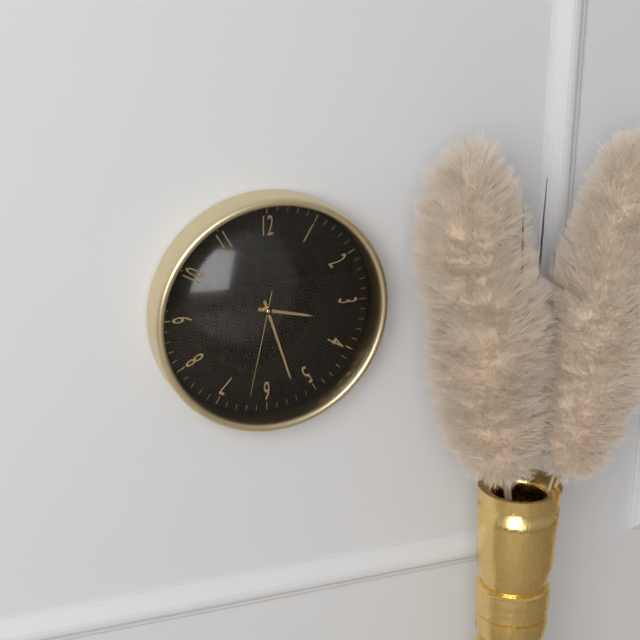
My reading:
3 h 27 min 32 s
